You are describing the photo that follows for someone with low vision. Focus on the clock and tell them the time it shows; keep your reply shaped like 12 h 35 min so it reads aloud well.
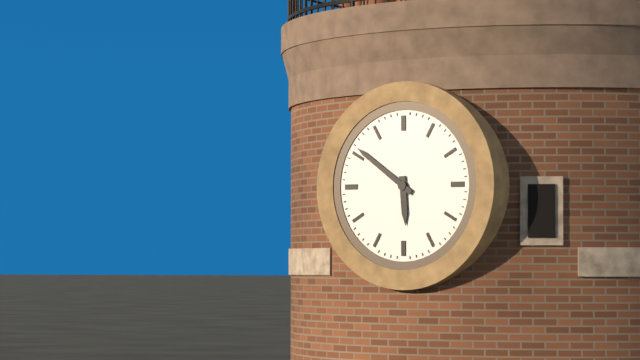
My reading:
5 h 51 min
